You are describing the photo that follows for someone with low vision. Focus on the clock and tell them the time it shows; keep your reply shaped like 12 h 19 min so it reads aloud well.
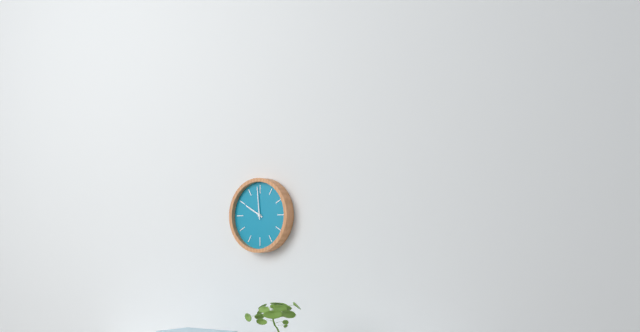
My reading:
9 h 59 min
